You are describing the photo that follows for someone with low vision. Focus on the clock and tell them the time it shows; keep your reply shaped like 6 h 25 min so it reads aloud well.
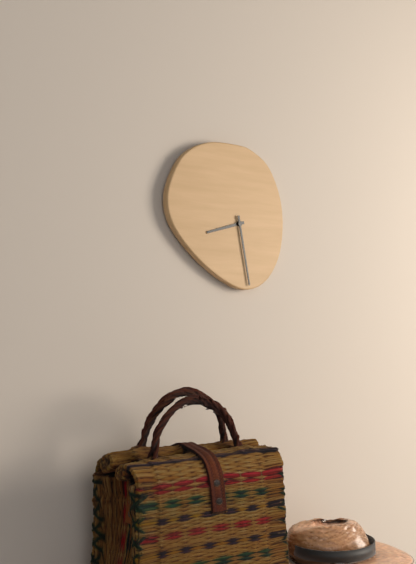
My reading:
8 h 28 min
